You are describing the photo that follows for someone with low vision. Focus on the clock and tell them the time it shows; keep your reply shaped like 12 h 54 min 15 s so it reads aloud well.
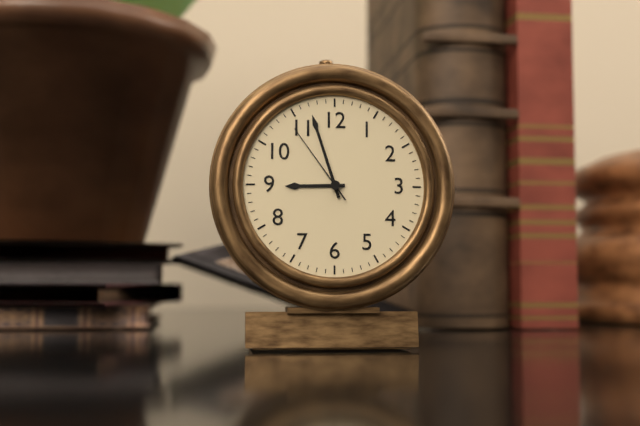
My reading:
8 h 57 min 54 s
